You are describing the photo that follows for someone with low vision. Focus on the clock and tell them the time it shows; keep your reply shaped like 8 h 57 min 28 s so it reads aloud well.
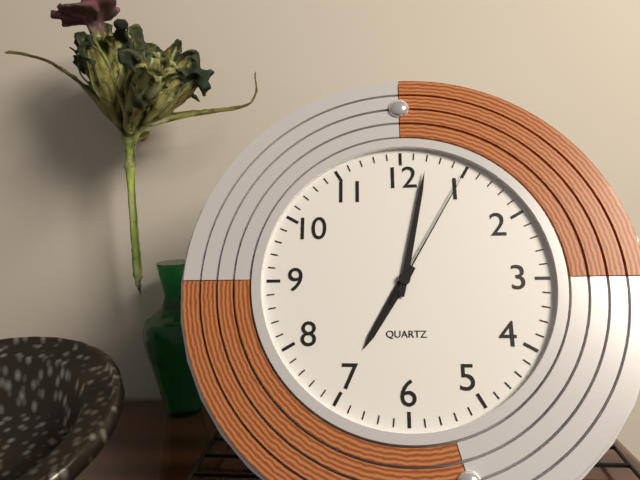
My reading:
7 h 02 min 05 s
